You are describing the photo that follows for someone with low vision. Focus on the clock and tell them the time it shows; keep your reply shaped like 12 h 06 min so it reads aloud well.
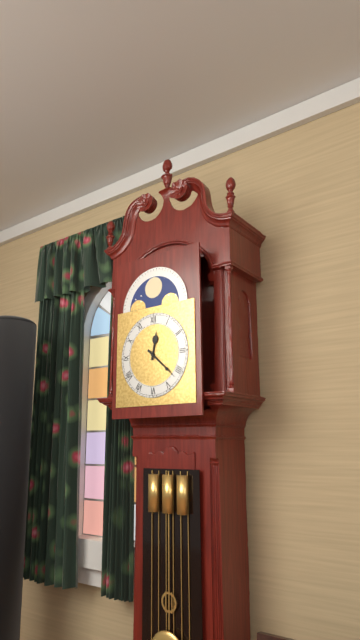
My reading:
12 h 22 min
